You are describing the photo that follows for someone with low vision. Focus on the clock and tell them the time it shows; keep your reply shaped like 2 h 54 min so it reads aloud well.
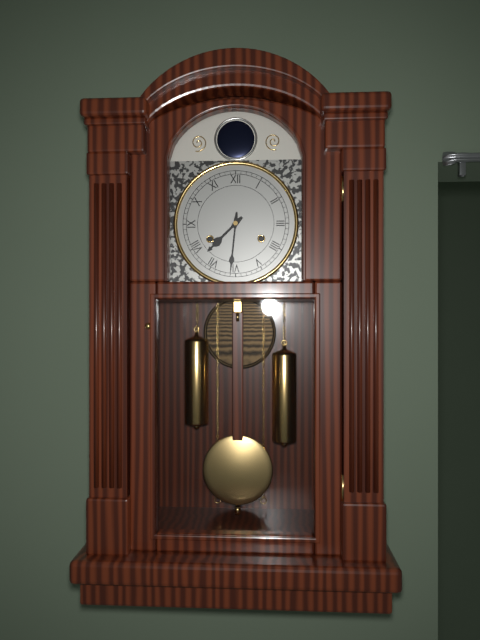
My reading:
7 h 31 min
